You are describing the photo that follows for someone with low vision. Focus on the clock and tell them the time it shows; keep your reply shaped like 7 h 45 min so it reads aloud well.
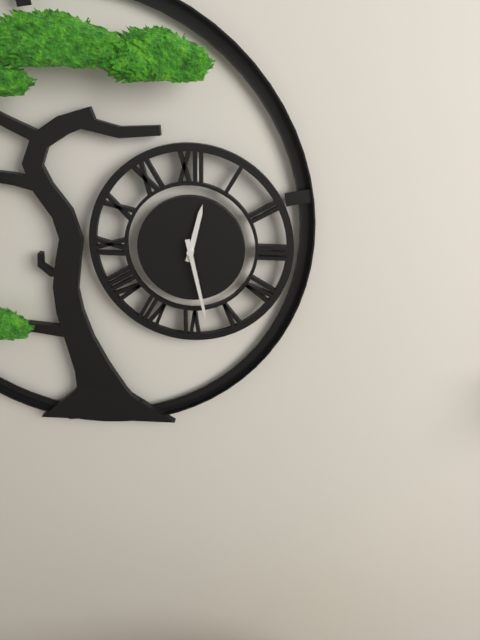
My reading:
12 h 28 min
